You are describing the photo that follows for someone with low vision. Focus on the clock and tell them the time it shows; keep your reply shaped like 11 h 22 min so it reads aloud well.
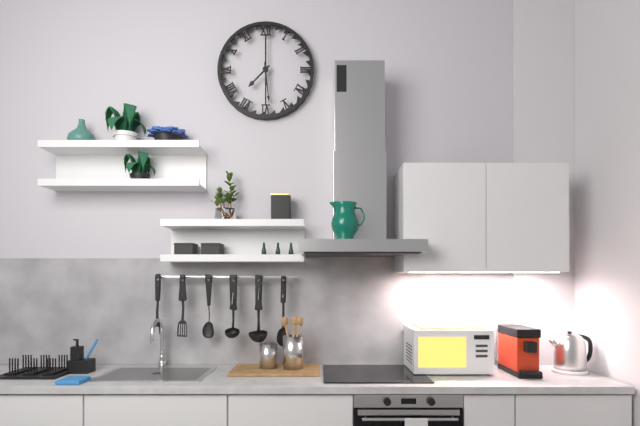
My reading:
7 h 29 min
